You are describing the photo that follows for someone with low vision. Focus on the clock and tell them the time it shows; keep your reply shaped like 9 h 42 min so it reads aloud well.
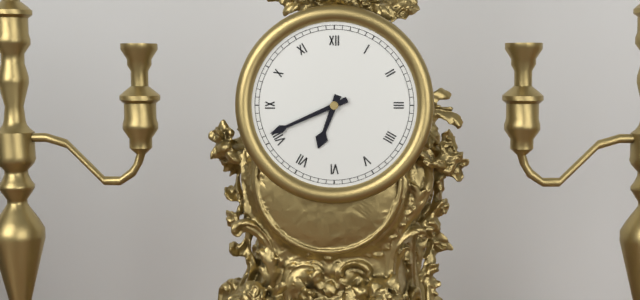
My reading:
6 h 41 min
